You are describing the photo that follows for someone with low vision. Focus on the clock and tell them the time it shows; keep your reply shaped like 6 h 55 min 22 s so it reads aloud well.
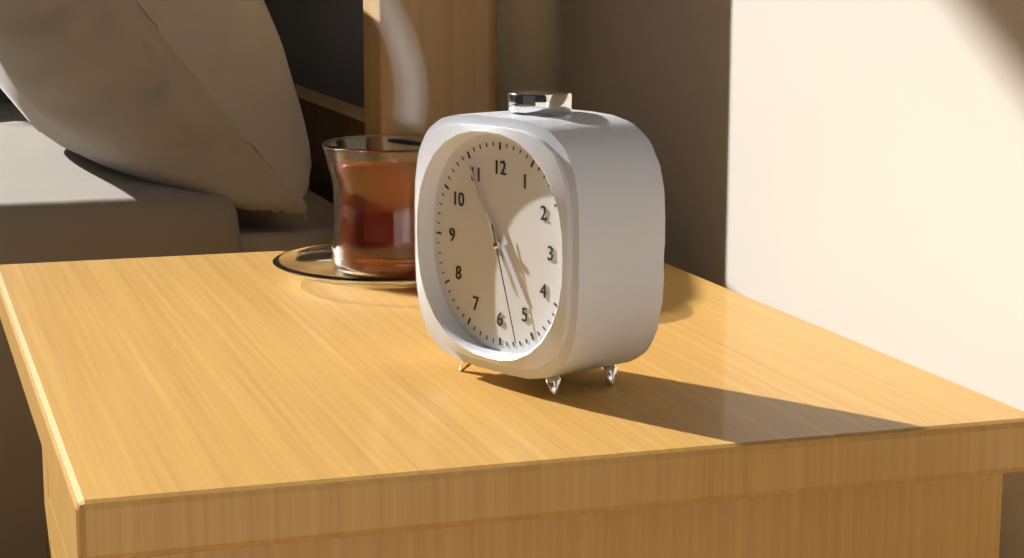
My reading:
4 h 55 min 27 s
